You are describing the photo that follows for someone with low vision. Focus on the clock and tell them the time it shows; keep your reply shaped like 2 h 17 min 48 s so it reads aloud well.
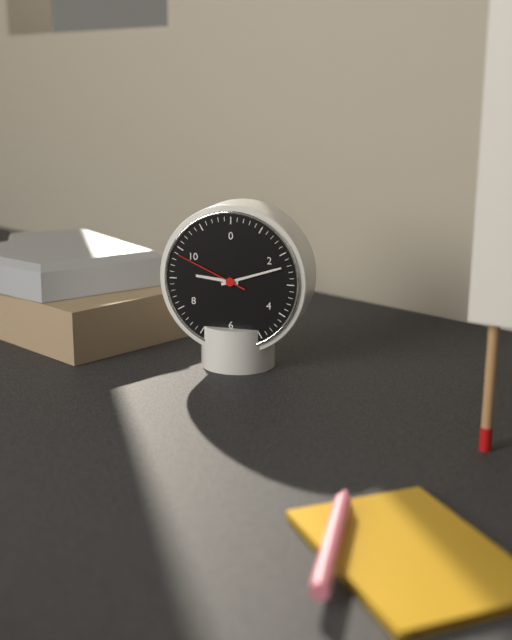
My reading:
9 h 12 min 49 s
